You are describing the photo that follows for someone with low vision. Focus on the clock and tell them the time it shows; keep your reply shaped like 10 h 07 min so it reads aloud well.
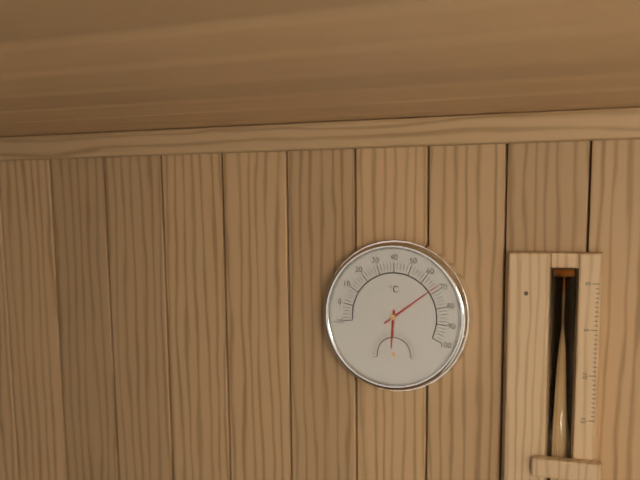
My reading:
6 h 09 min
